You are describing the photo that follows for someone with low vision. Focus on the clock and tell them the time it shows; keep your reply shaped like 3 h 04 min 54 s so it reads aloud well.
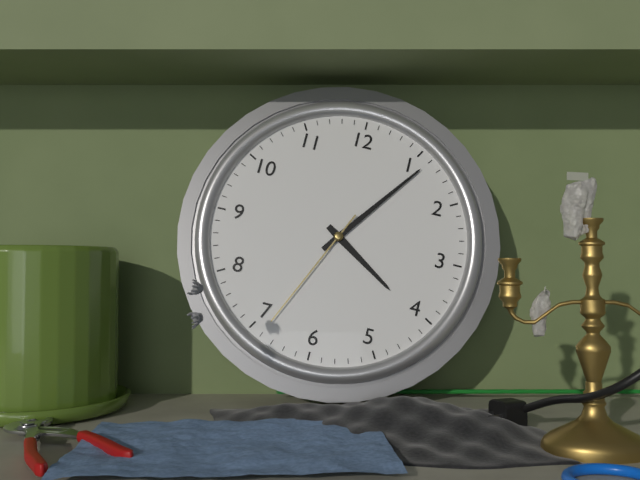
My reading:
4 h 06 min 34 s
